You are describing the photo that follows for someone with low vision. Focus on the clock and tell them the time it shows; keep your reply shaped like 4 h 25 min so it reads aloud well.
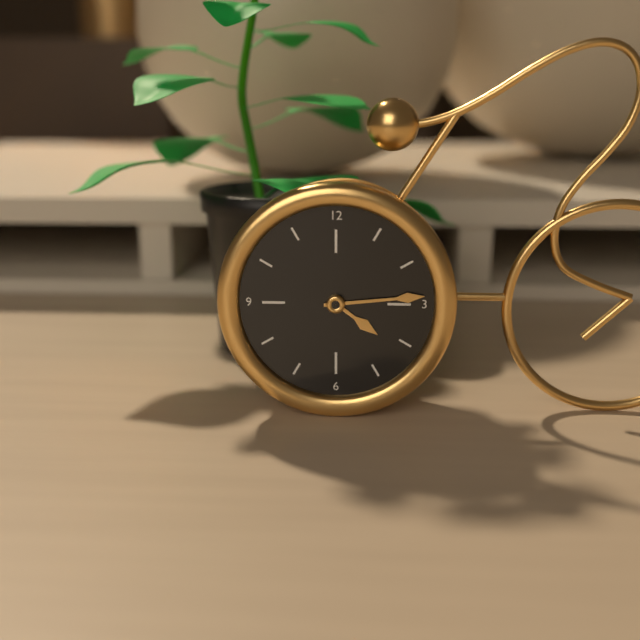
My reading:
4 h 14 min
